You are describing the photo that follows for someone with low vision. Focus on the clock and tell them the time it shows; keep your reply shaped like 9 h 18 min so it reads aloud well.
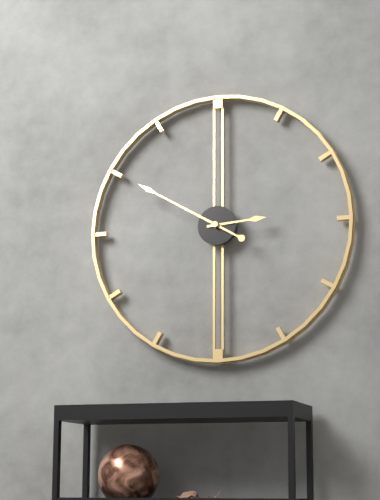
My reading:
2 h 50 min
